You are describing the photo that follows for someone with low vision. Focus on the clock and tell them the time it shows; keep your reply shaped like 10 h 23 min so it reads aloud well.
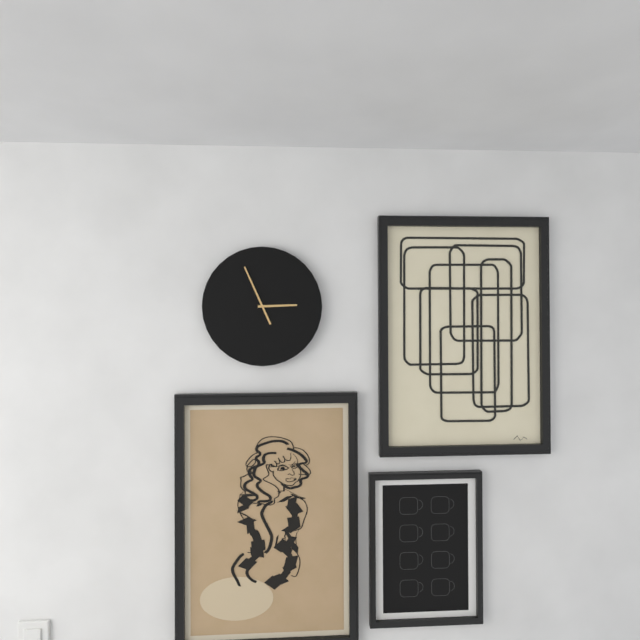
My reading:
2 h 56 min
